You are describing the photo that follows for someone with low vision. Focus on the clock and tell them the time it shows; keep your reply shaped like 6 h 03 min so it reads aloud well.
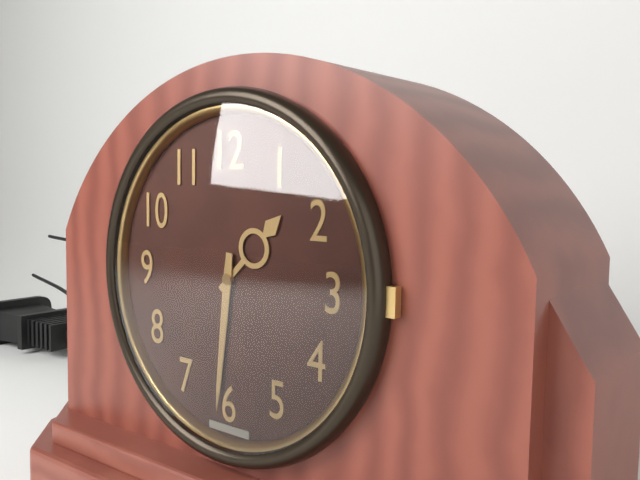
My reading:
1 h 31 min
